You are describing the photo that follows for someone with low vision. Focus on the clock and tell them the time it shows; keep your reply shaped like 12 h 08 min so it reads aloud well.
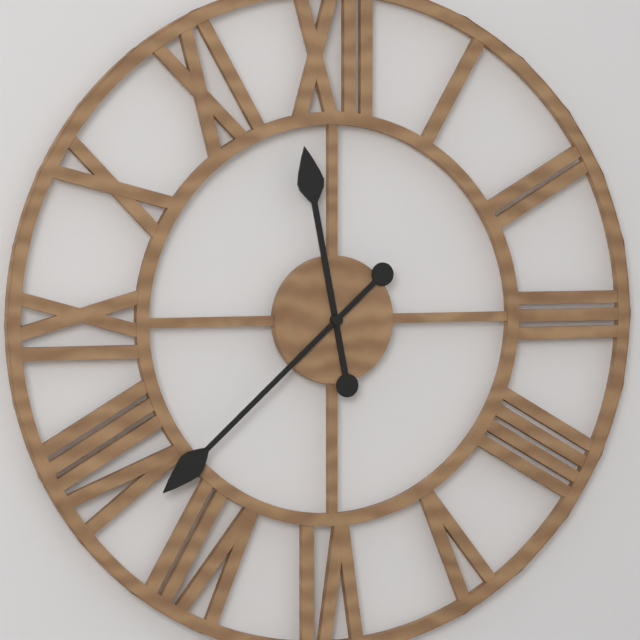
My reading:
11 h 38 min
